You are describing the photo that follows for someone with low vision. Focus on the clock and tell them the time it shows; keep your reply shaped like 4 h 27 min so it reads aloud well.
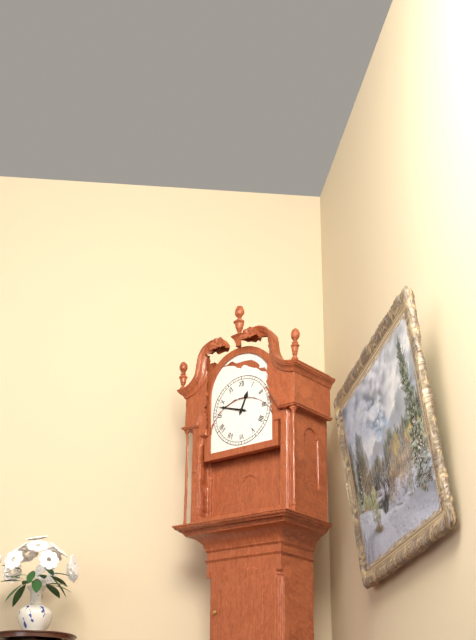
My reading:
12 h 48 min
